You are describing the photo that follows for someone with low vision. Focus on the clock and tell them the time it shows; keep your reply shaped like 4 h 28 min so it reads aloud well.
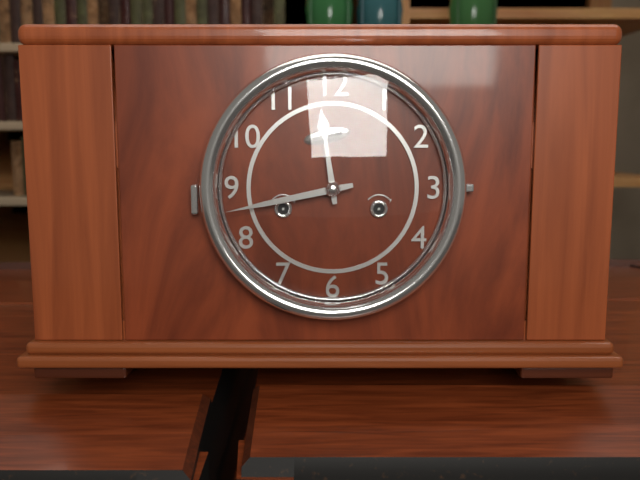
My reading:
11 h 43 min
